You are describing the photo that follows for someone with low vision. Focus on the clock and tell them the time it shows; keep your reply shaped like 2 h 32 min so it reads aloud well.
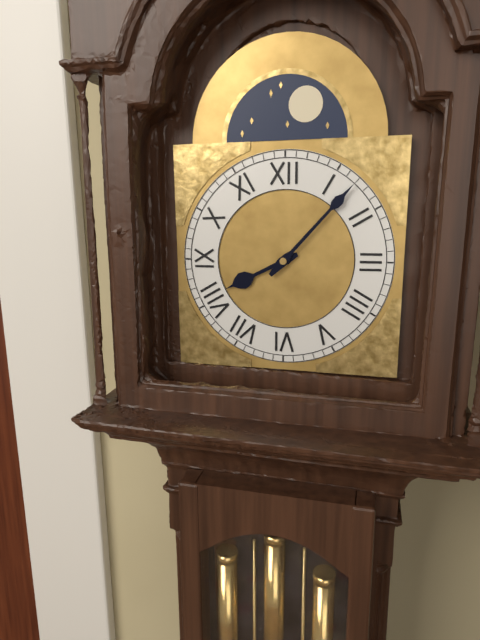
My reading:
8 h 07 min
